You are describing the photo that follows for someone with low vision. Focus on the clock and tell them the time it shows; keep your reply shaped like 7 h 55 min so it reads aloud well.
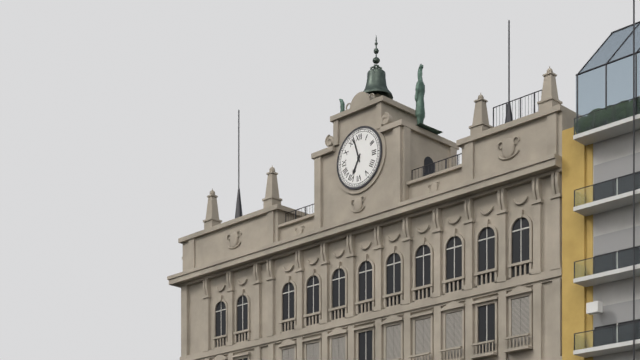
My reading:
6 h 57 min
